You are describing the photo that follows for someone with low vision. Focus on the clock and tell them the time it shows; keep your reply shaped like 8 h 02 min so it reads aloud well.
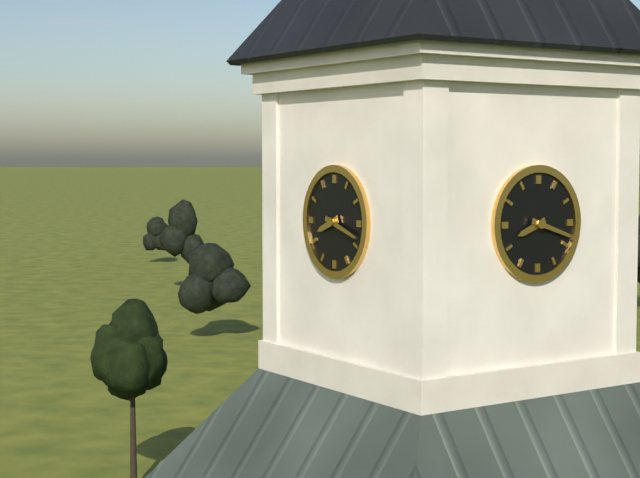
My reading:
8 h 18 min
